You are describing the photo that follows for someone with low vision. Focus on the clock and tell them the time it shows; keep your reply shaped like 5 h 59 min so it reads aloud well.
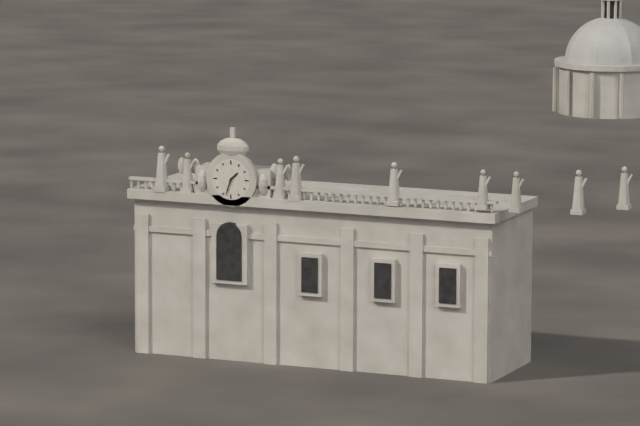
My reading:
1 h 33 min
